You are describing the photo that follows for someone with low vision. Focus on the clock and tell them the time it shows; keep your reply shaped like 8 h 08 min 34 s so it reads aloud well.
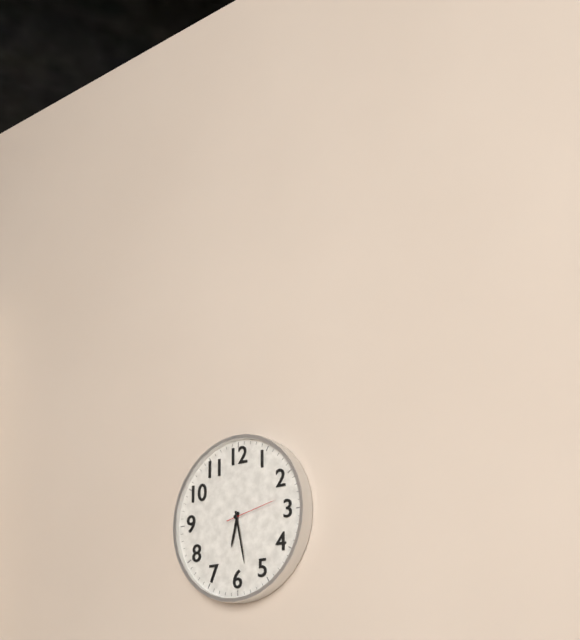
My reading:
6 h 28 min 13 s
